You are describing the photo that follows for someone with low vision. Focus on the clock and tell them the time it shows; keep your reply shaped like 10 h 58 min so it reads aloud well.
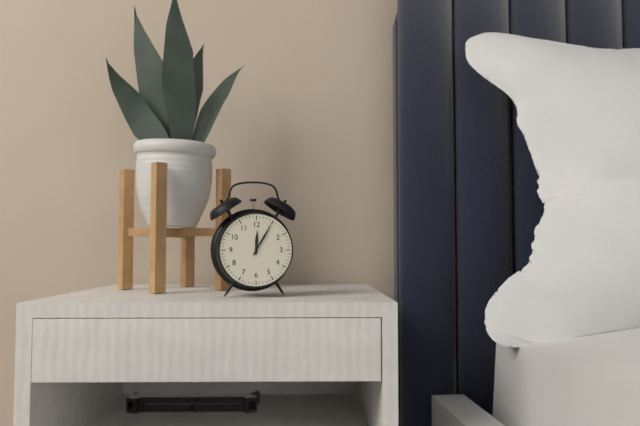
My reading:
12 h 05 min
